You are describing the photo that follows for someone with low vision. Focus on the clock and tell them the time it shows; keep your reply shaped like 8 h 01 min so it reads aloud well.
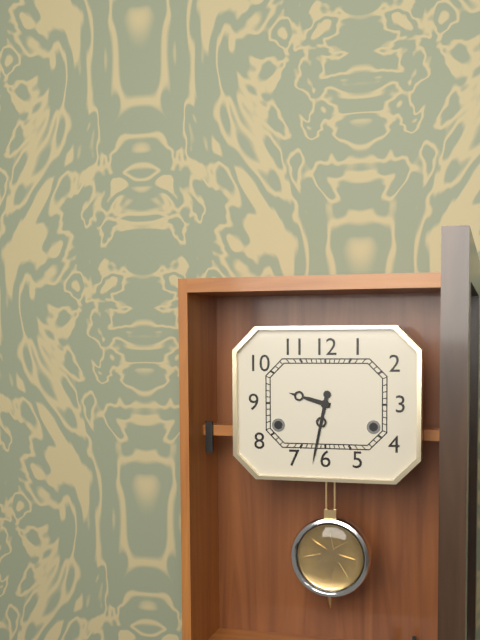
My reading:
9 h 32 min
